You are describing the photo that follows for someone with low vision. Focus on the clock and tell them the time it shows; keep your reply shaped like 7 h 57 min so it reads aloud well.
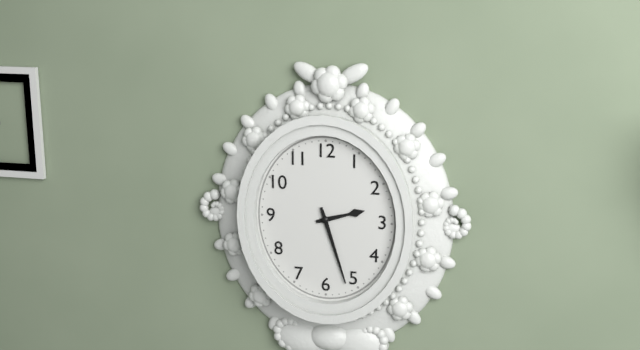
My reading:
2 h 27 min
